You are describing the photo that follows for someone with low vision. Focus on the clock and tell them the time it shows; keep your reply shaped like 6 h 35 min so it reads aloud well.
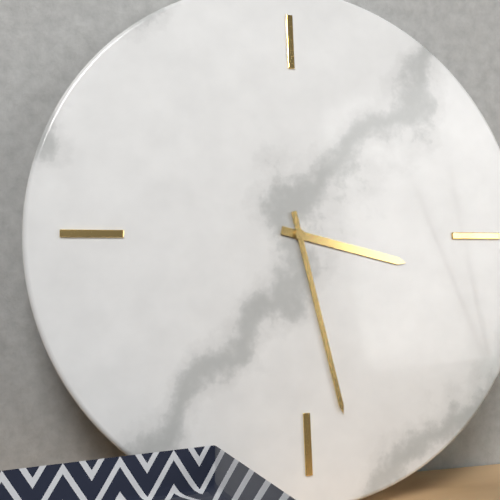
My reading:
3 h 28 min
